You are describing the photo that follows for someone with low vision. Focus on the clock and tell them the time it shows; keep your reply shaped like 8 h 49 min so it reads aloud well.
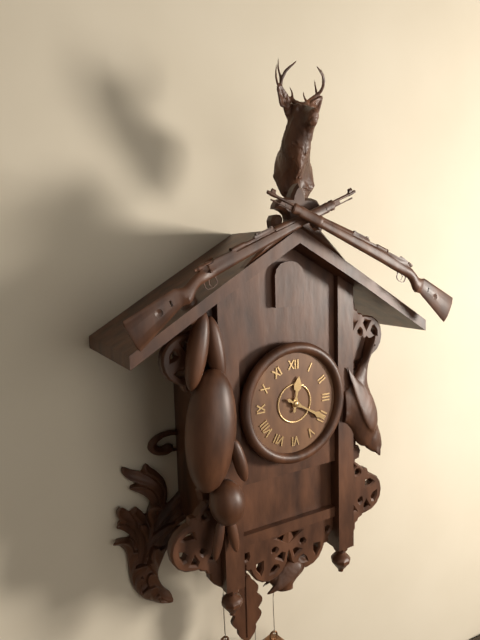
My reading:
12 h 20 min
